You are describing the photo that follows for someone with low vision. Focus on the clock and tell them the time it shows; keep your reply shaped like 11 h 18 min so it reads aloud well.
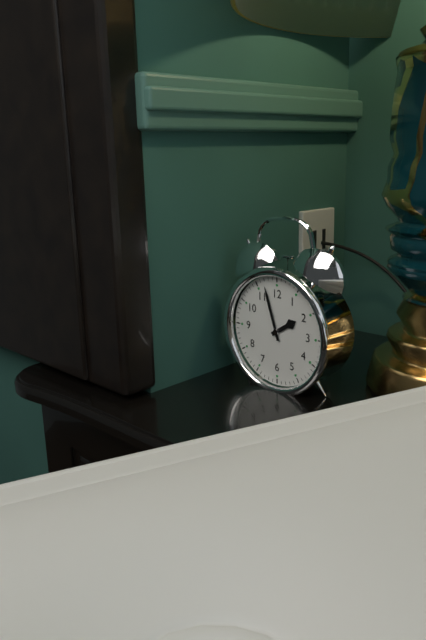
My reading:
1 h 57 min
